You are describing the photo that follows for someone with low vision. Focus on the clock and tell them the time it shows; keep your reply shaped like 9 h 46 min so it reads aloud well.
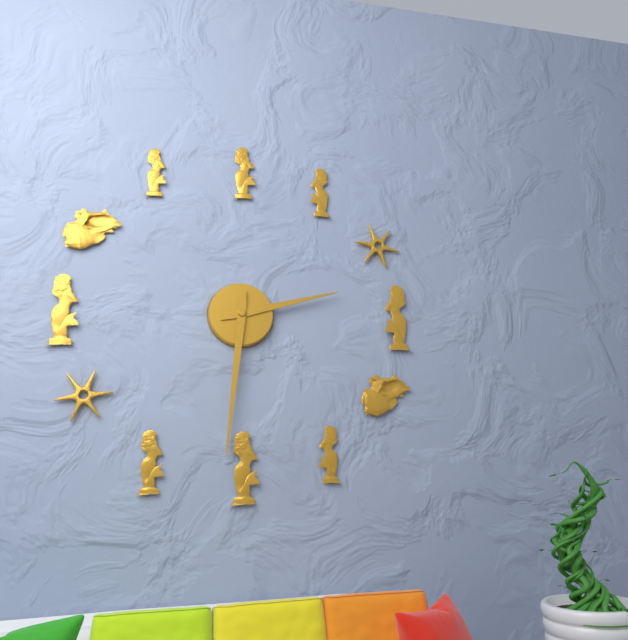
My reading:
2 h 31 min
